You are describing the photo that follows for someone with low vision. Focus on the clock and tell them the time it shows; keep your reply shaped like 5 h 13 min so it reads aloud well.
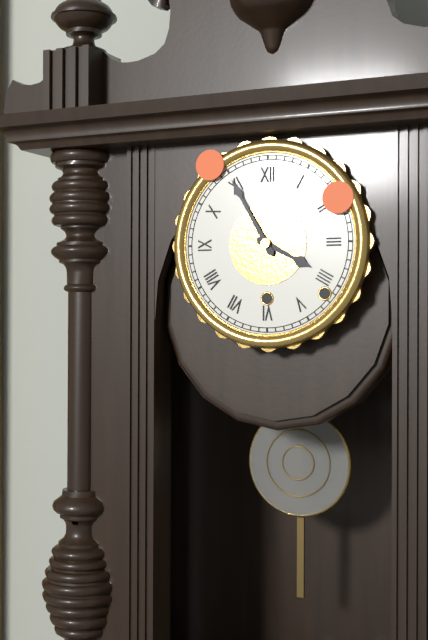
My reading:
3 h 55 min
